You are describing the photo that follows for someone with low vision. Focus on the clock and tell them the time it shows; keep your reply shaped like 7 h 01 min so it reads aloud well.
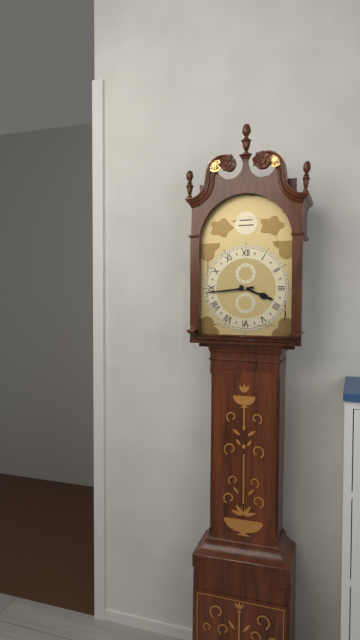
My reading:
3 h 44 min
